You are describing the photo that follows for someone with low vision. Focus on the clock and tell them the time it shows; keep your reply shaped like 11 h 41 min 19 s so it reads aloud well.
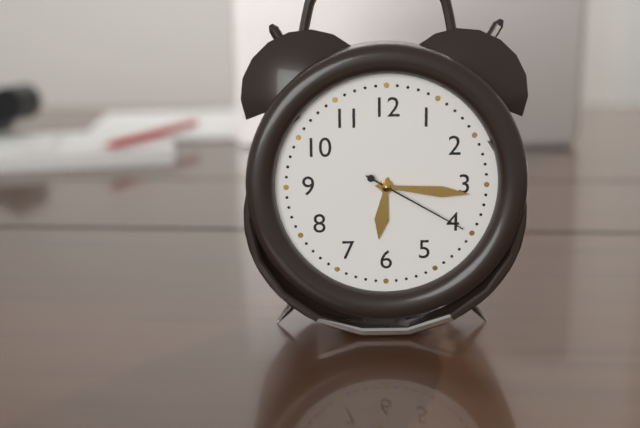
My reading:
6 h 16 min 20 s
